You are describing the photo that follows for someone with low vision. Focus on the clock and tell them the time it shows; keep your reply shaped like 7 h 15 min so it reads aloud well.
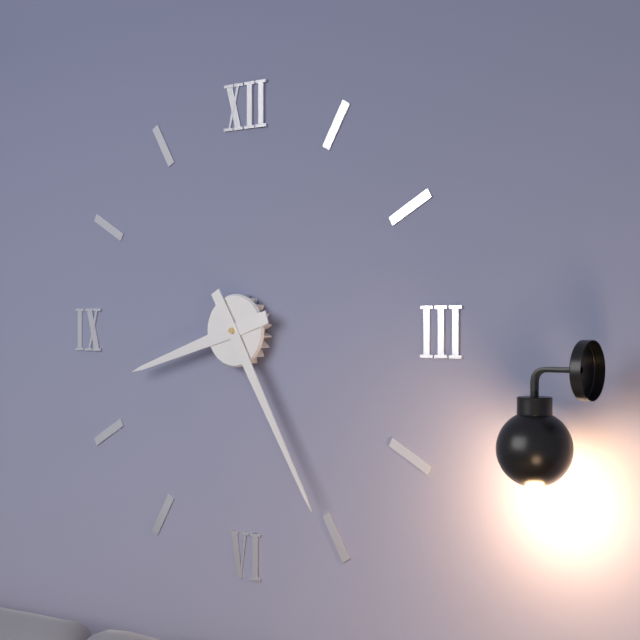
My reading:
8 h 25 min
